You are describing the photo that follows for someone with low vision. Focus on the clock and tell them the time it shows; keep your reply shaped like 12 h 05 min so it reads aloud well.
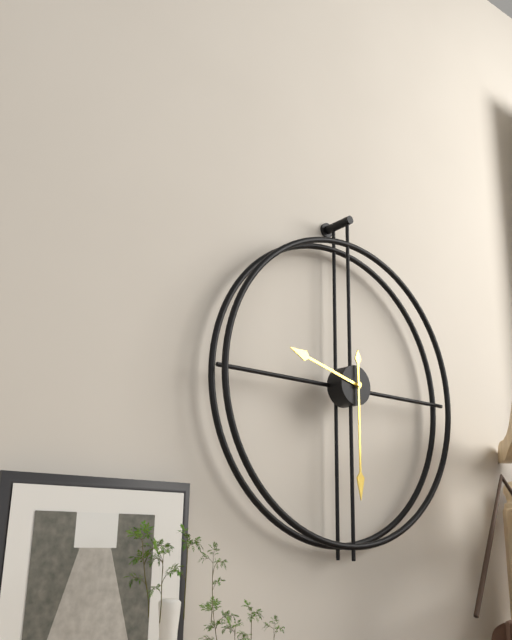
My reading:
9 h 30 min
